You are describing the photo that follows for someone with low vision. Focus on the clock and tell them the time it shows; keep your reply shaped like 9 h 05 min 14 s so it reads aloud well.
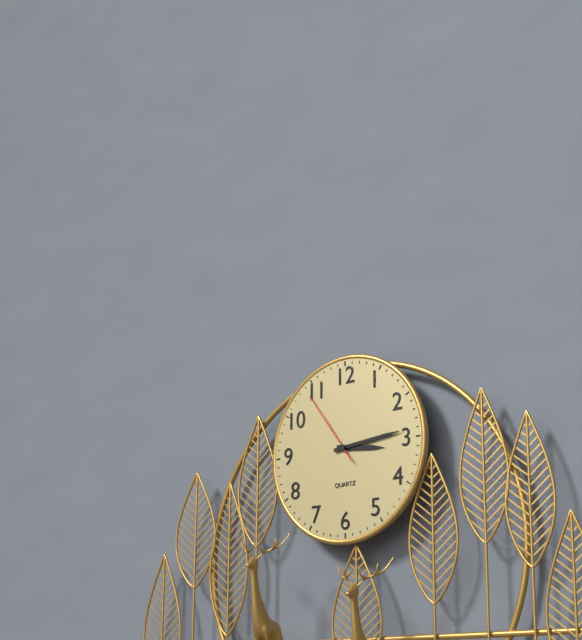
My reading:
3 h 14 min 54 s
